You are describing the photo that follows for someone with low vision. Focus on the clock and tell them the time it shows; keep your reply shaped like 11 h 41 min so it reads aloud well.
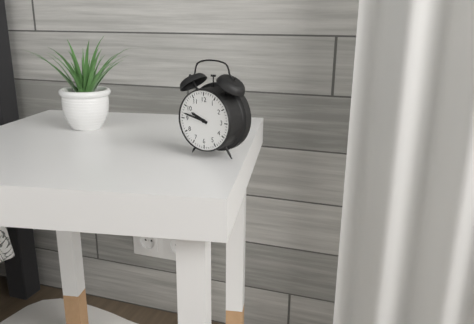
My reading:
9 h 47 min
